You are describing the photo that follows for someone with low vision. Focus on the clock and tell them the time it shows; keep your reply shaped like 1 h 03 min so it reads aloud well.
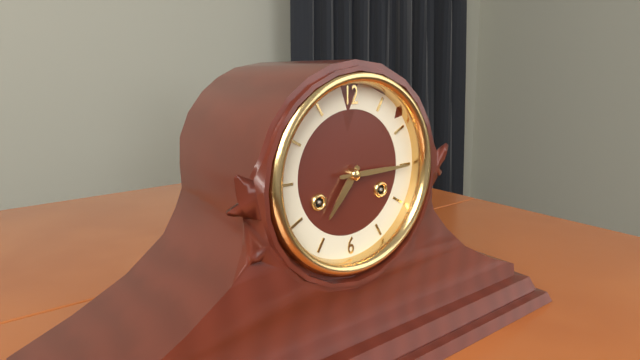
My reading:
7 h 15 min
